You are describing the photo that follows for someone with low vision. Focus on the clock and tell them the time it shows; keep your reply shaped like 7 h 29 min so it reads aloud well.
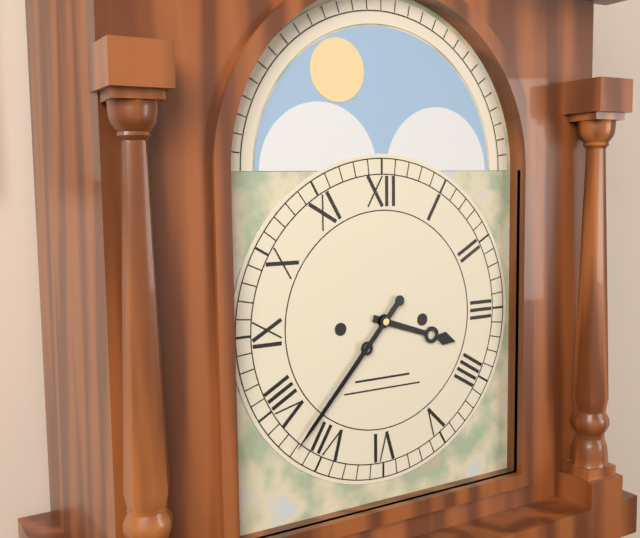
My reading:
3 h 37 min
